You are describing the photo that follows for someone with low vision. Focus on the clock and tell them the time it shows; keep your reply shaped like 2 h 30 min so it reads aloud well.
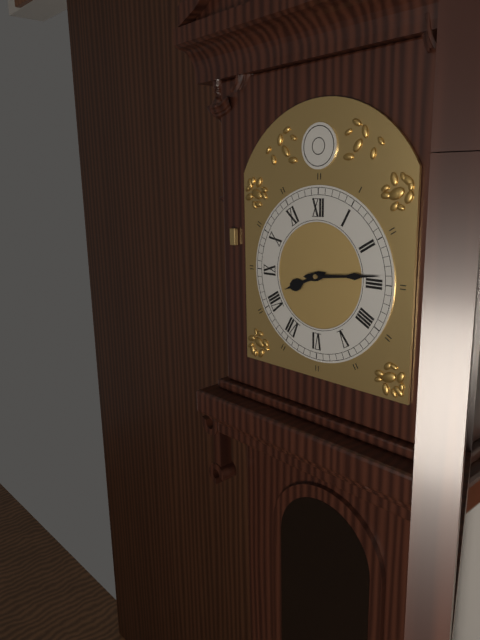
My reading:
8 h 14 min
